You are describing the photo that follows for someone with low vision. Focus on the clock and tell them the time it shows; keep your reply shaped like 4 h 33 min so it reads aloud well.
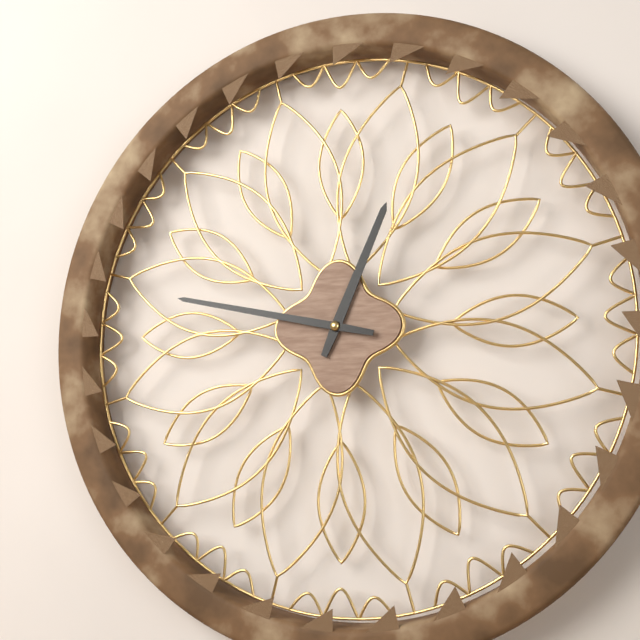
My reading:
12 h 47 min
